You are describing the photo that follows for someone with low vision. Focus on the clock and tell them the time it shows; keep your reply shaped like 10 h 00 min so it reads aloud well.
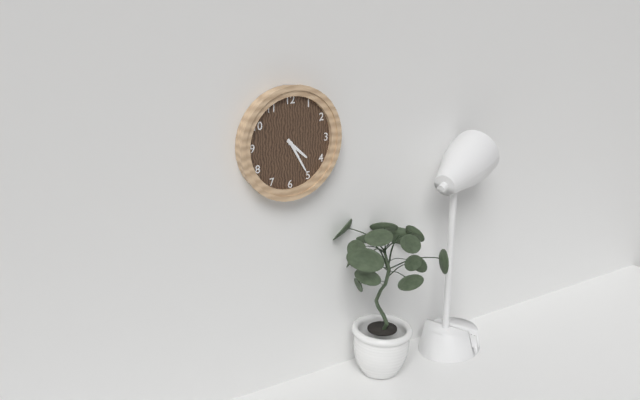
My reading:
4 h 25 min
